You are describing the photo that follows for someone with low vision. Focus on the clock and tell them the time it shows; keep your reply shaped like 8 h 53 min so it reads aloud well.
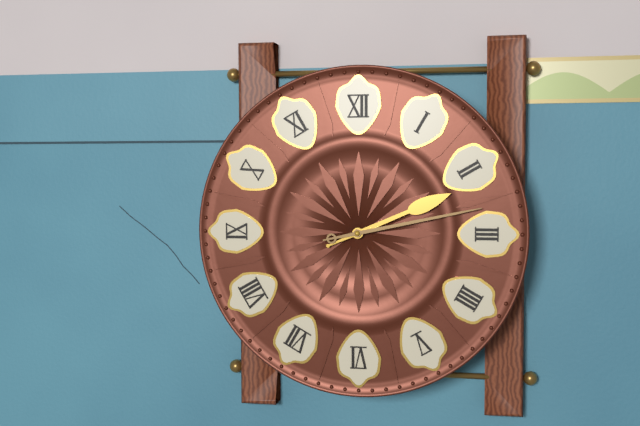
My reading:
2 h 13 min
